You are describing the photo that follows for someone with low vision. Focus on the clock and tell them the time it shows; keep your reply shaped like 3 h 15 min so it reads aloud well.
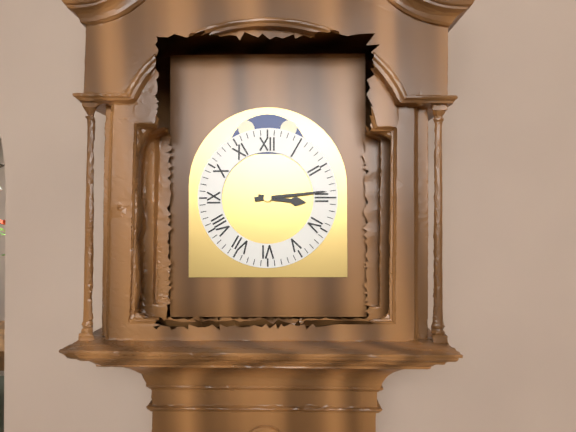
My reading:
3 h 14 min
